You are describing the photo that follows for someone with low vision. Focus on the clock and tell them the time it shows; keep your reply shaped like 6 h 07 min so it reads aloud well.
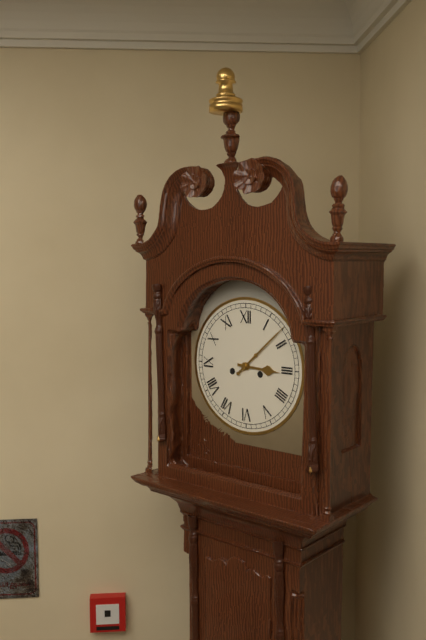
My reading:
3 h 08 min
